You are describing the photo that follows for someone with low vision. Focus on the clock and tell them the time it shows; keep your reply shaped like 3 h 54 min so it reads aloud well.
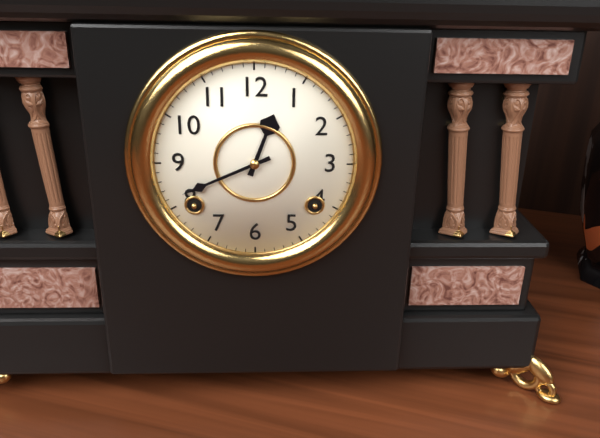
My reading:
12 h 41 min
